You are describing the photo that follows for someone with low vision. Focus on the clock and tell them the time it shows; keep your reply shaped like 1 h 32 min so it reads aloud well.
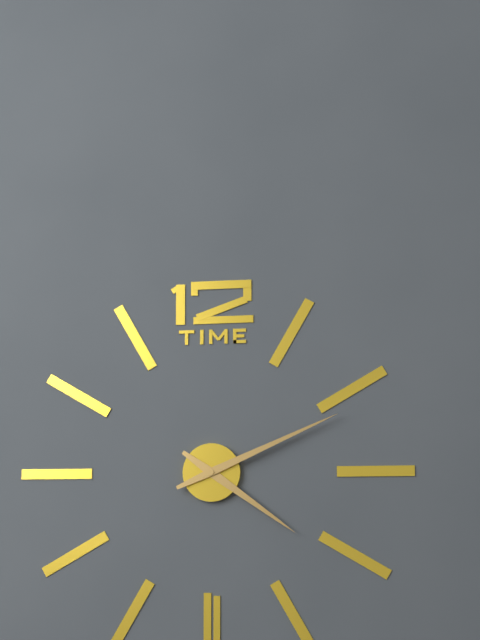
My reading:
4 h 11 min
